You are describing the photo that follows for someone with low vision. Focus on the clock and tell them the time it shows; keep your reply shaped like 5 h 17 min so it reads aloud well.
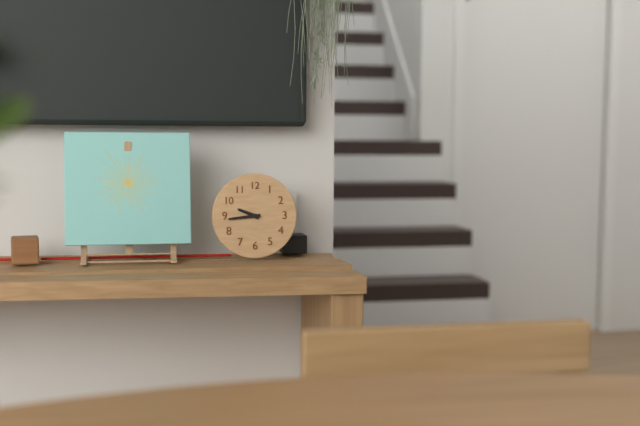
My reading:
9 h 44 min
